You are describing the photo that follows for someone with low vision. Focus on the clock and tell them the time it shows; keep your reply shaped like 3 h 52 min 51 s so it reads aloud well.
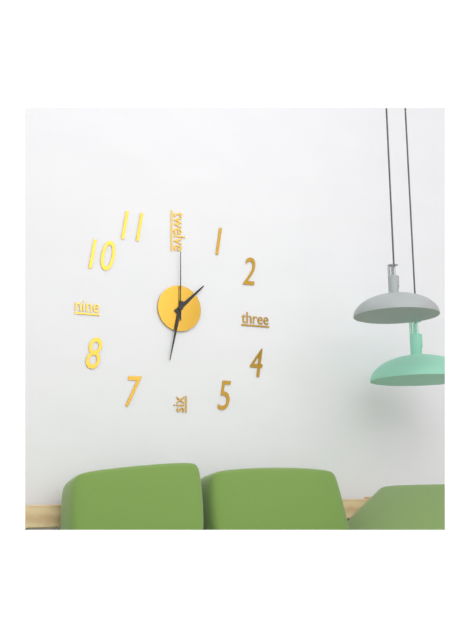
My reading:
1 h 32 min 00 s
